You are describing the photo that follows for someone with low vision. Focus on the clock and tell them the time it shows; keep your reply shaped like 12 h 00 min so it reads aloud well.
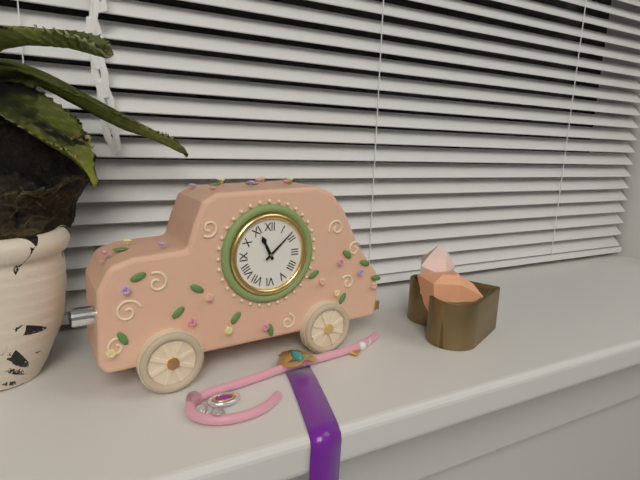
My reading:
11 h 08 min
